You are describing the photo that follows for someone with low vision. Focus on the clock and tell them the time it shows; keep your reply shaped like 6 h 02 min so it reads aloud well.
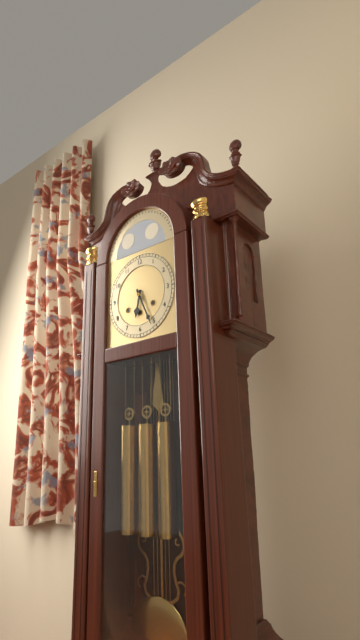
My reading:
6 h 26 min
